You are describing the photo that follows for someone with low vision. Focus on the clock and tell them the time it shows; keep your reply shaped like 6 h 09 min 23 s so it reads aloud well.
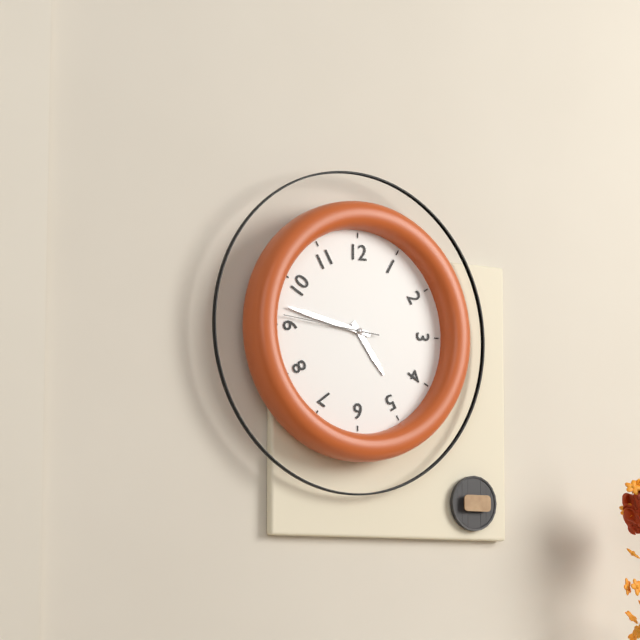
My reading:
4 h 47 min 46 s
